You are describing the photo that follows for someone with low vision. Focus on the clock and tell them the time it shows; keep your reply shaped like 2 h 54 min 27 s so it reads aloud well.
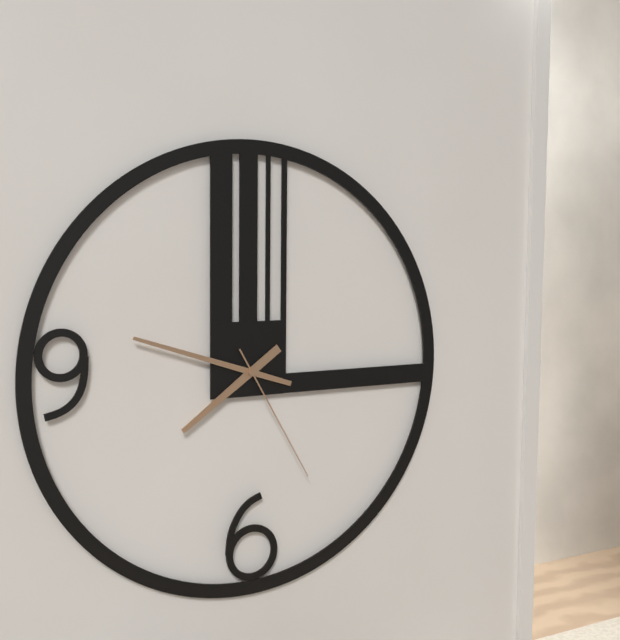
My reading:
7 h 48 min 25 s
